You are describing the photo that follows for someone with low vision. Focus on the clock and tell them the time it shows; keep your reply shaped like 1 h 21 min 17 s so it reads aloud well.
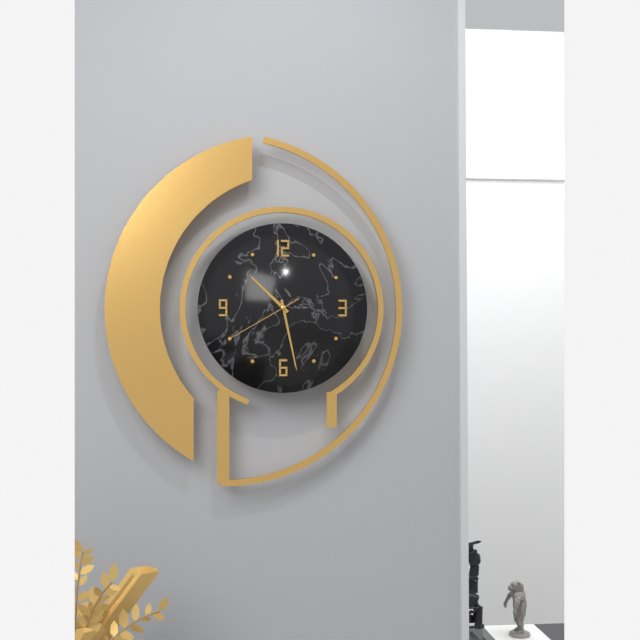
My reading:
10 h 28 min 40 s
